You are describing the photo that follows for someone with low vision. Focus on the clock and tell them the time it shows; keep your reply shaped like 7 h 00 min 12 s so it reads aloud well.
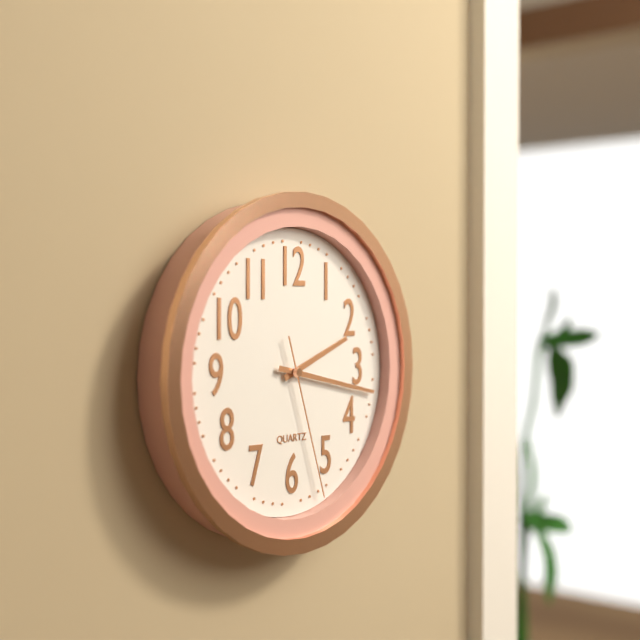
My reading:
2 h 17 min 27 s
